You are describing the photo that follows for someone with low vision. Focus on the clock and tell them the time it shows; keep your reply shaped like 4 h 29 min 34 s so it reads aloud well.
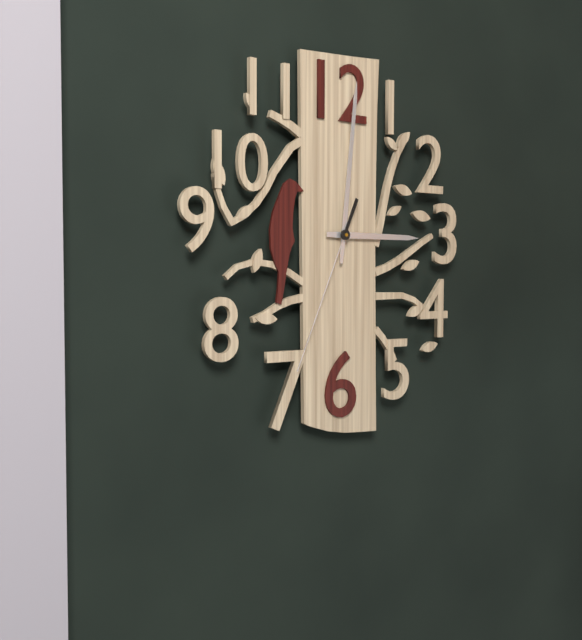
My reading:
3 h 01 min 34 s
